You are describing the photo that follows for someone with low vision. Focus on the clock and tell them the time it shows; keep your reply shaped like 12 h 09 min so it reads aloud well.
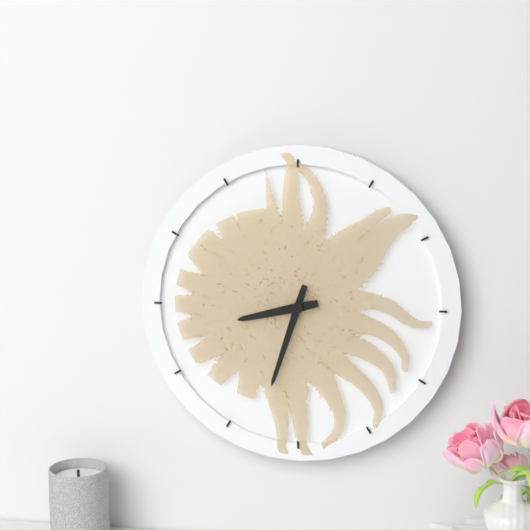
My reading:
8 h 33 min
